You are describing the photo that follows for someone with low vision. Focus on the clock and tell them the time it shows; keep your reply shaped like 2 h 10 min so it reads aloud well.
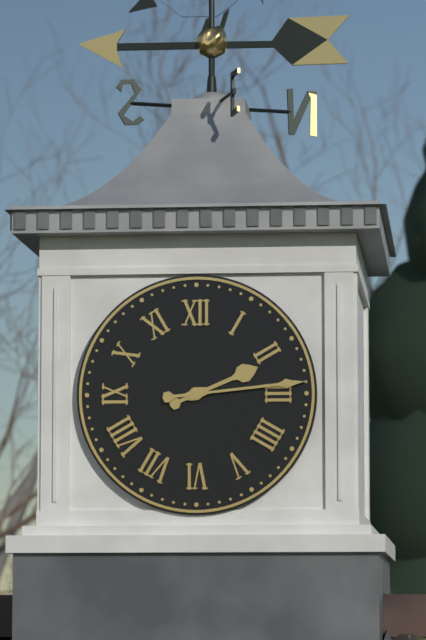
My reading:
2 h 14 min
